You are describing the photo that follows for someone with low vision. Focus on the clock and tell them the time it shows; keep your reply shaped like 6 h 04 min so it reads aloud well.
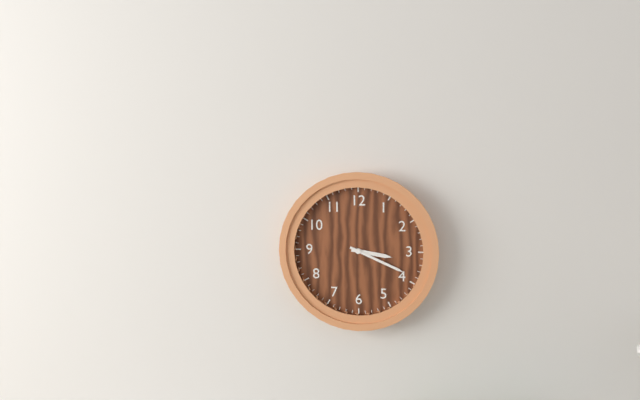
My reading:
3 h 19 min
